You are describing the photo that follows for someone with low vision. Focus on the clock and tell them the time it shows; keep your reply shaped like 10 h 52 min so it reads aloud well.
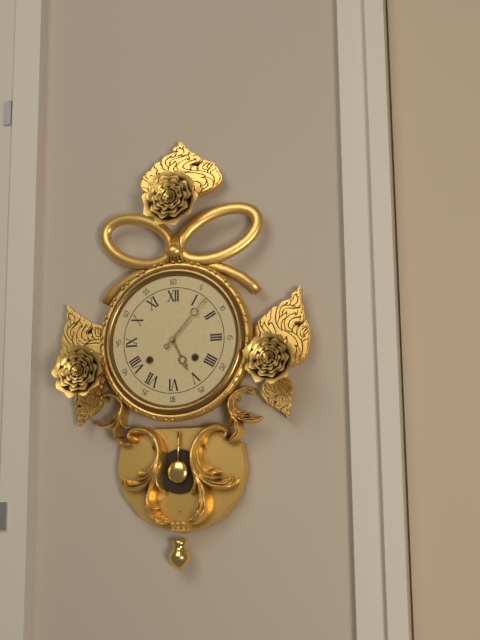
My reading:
5 h 07 min
